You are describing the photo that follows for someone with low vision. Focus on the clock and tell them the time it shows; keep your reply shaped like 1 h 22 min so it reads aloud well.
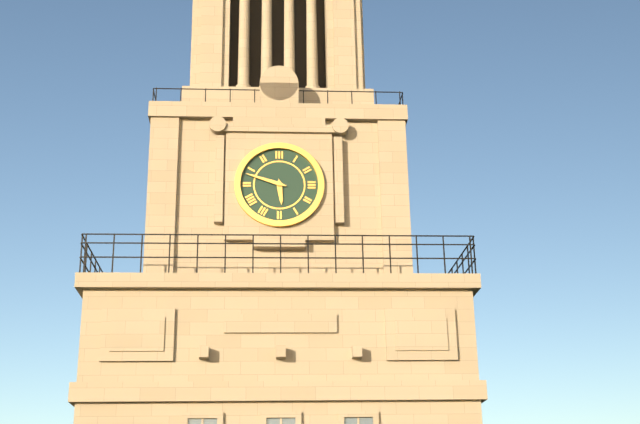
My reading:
5 h 48 min
